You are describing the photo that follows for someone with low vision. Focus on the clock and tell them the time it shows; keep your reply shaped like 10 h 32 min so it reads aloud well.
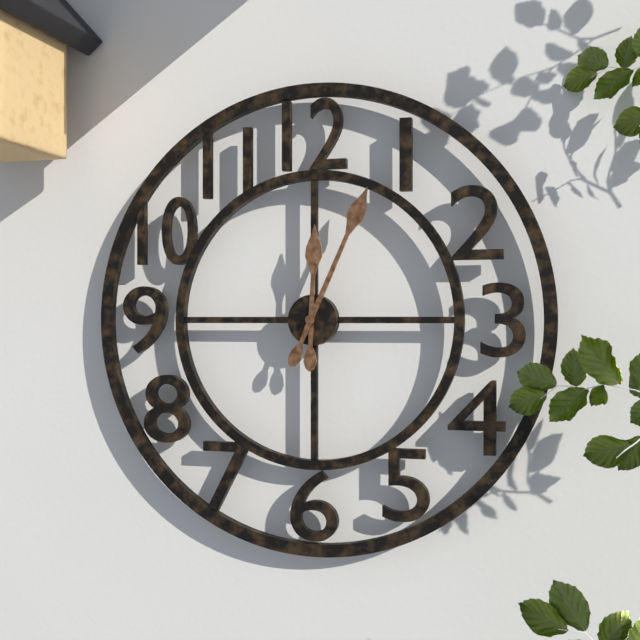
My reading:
12 h 04 min
